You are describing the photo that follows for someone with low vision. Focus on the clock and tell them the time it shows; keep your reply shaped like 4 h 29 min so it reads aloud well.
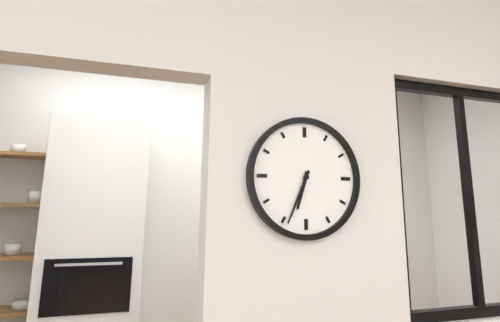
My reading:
6 h 34 min
